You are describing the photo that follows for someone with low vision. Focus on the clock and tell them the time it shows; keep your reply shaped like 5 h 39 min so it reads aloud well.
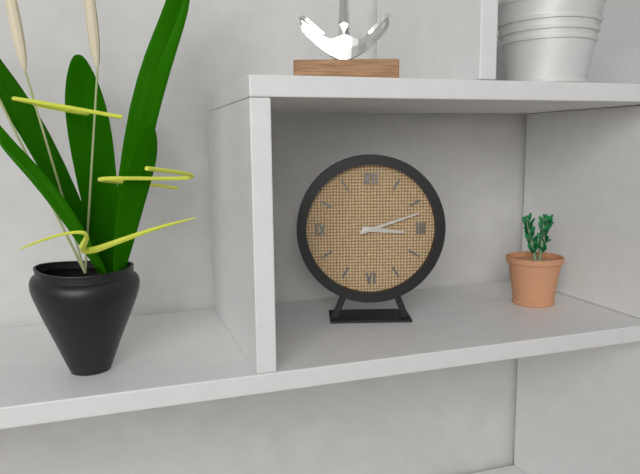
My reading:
3 h 12 min
